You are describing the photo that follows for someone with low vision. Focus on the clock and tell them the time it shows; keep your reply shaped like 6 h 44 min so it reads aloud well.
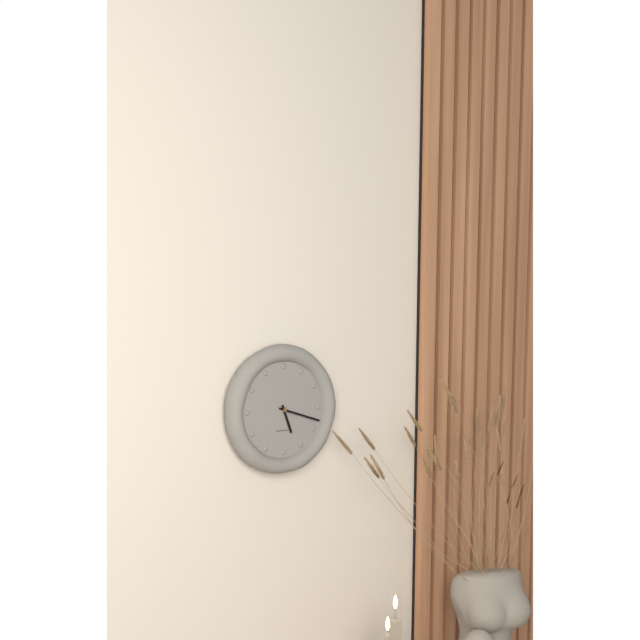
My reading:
5 h 18 min
